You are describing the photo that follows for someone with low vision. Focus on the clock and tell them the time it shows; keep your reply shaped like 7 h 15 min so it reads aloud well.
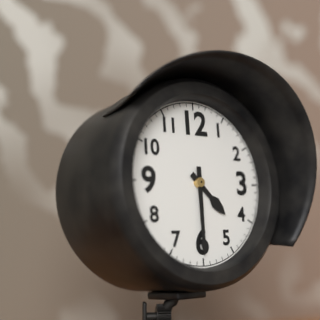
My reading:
4 h 30 min
